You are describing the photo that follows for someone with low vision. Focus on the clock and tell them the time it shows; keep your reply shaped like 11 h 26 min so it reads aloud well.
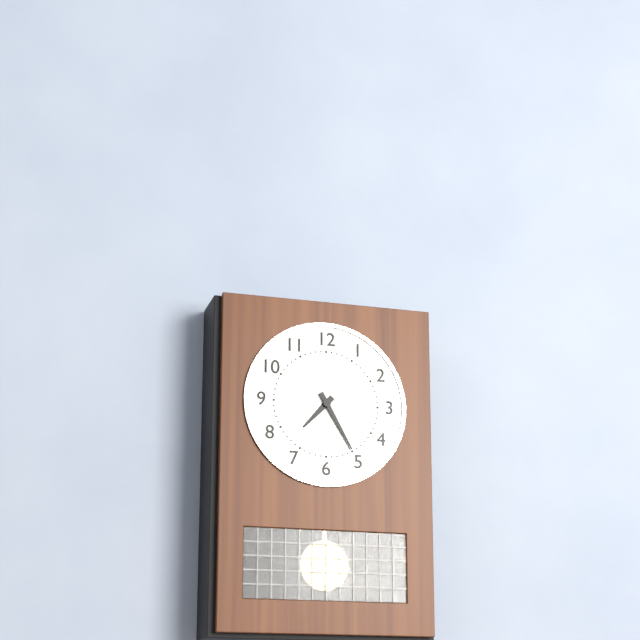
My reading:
7 h 25 min
